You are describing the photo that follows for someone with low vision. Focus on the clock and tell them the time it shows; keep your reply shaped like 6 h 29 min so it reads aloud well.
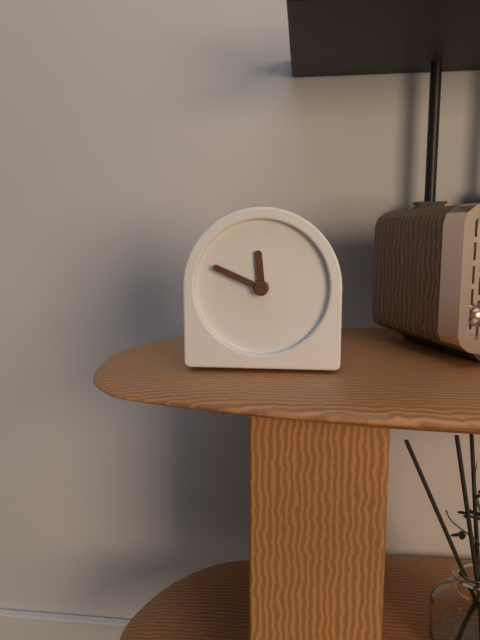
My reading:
11 h 49 min
